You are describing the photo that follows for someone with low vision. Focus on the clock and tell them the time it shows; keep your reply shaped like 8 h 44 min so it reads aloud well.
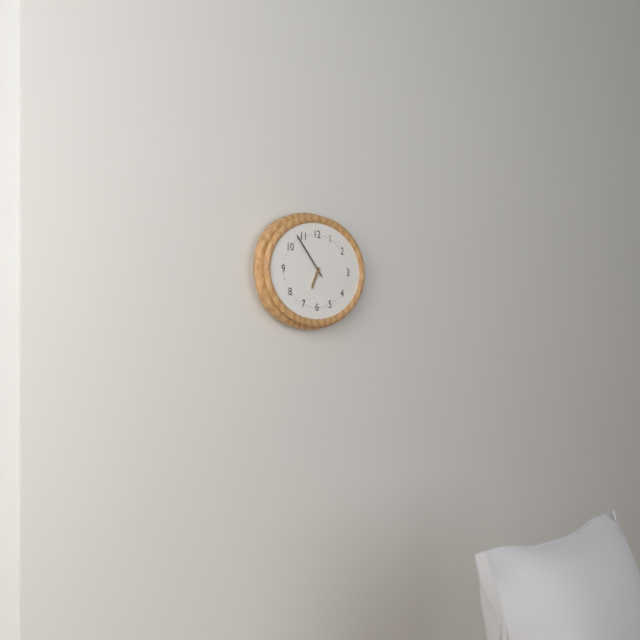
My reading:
6 h 53 min
